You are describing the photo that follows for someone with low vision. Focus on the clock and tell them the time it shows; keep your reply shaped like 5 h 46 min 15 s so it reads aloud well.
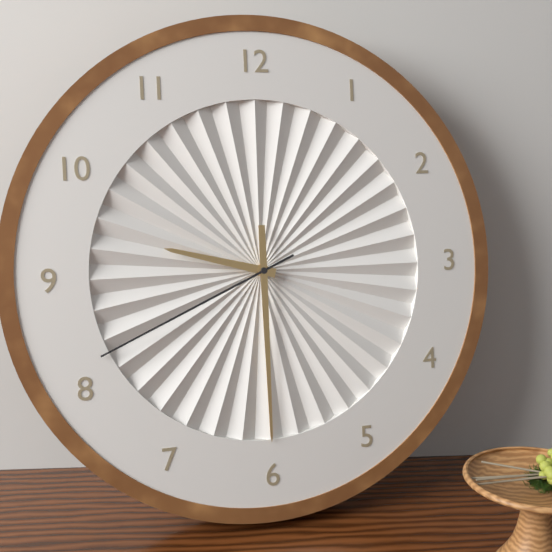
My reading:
9 h 30 min 41 s
